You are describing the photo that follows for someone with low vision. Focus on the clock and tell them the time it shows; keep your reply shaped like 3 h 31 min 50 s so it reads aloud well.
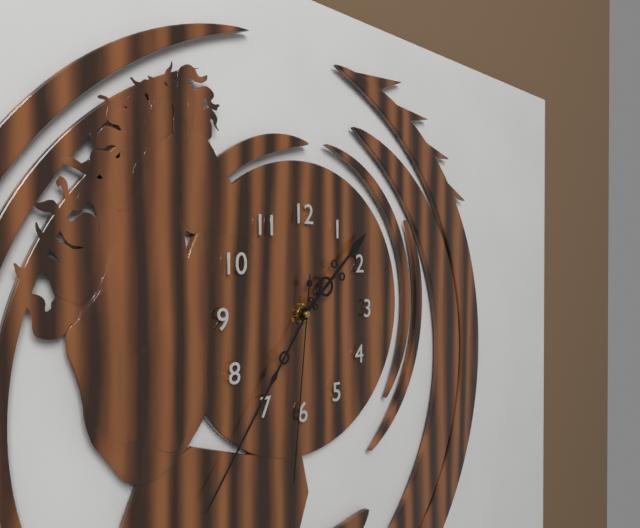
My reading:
1 h 36 min 31 s
